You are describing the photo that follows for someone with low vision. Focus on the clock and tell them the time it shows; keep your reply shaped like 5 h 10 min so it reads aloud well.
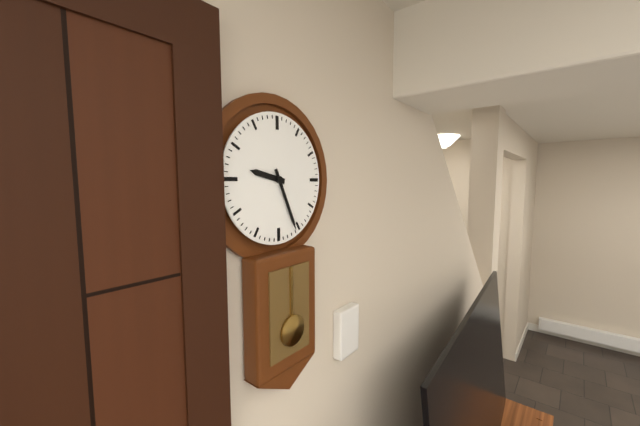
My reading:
9 h 26 min
